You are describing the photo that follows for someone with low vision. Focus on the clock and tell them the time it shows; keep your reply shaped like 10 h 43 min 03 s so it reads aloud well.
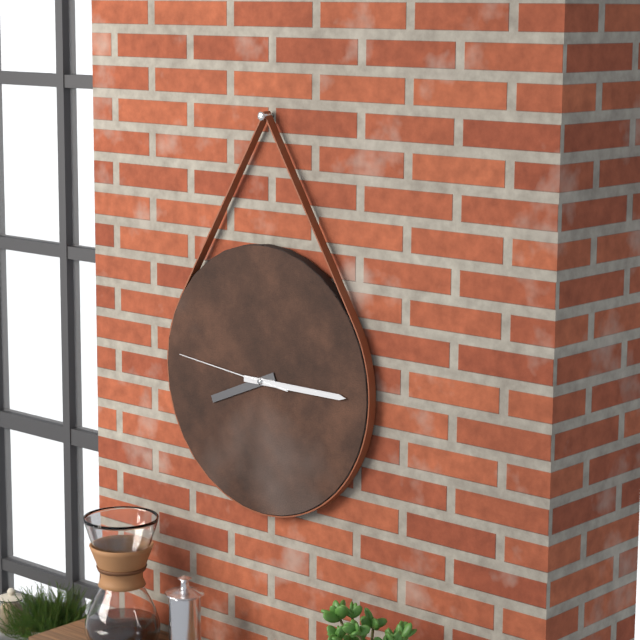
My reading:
8 h 15 min 46 s
